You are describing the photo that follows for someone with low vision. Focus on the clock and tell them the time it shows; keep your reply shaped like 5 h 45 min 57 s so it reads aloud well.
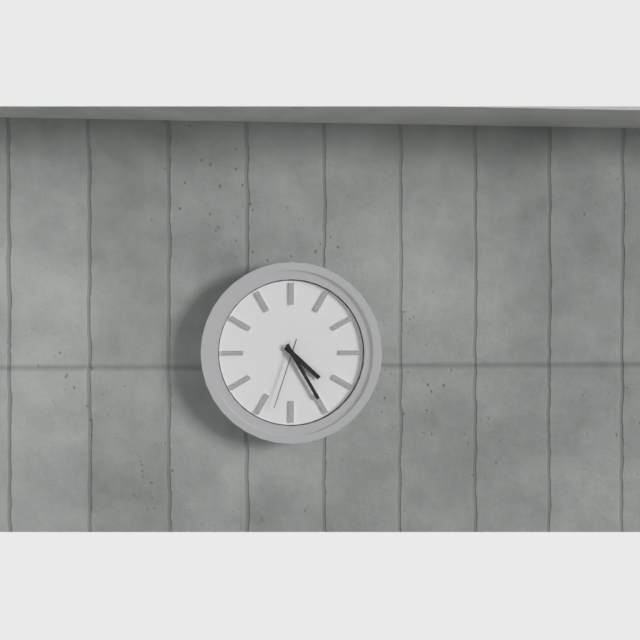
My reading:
4 h 25 min 33 s
